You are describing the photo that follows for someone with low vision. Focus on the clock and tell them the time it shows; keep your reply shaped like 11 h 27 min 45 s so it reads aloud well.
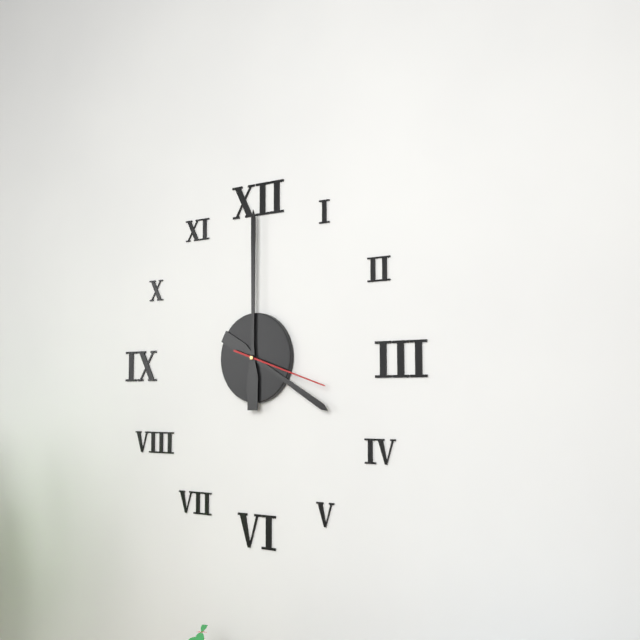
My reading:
4 h 00 min 18 s
